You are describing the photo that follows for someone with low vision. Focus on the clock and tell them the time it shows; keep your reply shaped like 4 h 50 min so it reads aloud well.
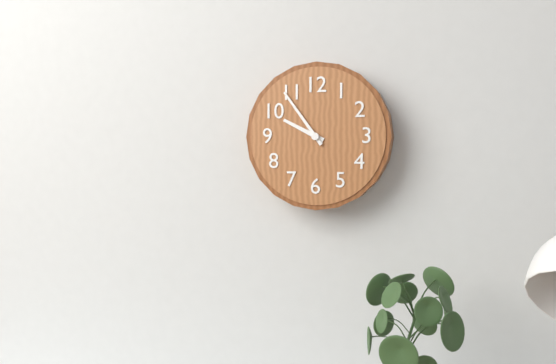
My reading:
9 h 54 min
